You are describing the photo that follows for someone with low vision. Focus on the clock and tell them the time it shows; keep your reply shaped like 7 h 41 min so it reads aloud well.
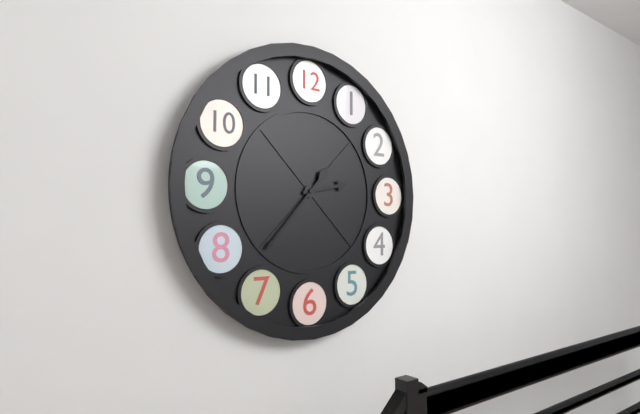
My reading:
2 h 37 min
